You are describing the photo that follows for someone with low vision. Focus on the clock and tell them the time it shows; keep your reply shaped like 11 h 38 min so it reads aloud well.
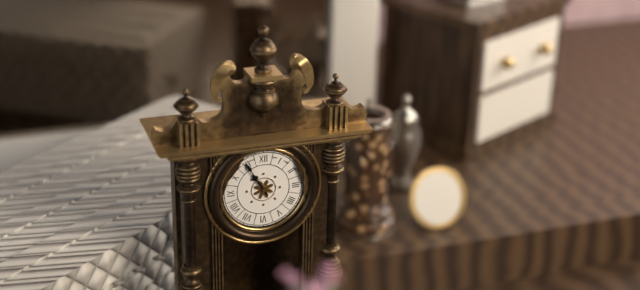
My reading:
10 h 55 min
